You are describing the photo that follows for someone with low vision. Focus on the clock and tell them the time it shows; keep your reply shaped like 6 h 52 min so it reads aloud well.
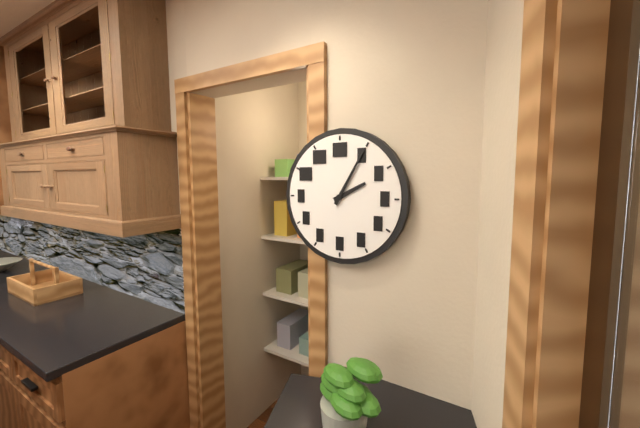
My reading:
2 h 05 min
